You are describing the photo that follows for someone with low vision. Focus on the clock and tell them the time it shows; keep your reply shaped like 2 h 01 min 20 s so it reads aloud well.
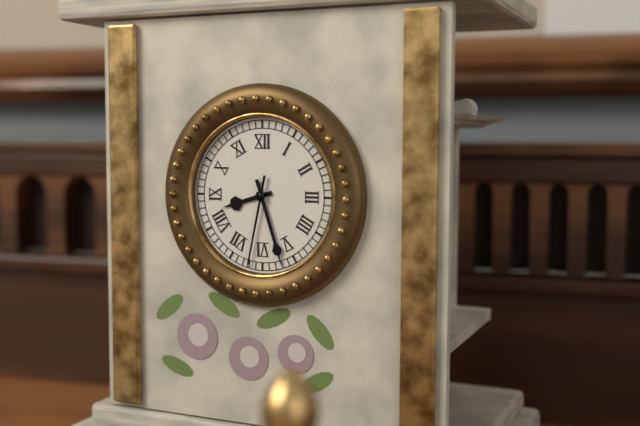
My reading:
8 h 27 min 32 s
